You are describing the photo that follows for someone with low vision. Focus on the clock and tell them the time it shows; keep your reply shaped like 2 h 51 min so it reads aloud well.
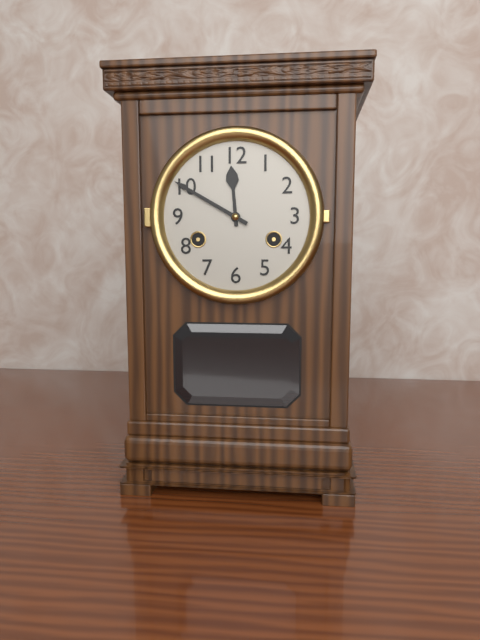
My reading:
11 h 50 min
